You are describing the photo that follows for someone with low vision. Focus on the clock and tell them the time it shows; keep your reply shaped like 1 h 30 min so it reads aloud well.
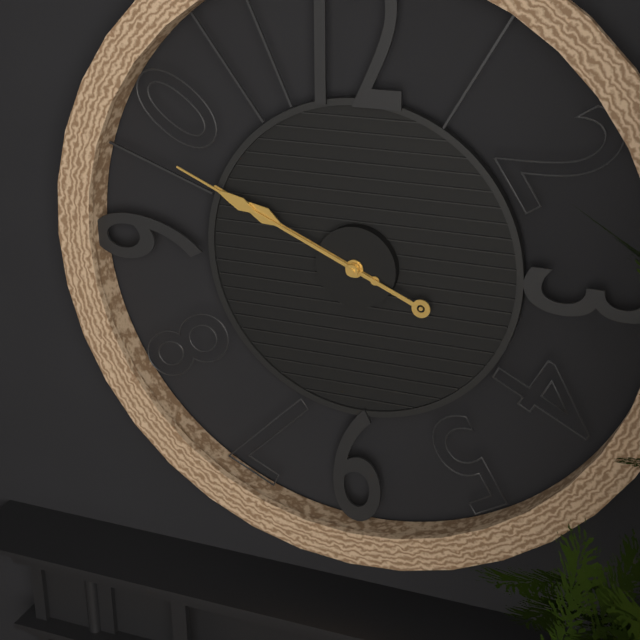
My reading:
9 h 49 min
